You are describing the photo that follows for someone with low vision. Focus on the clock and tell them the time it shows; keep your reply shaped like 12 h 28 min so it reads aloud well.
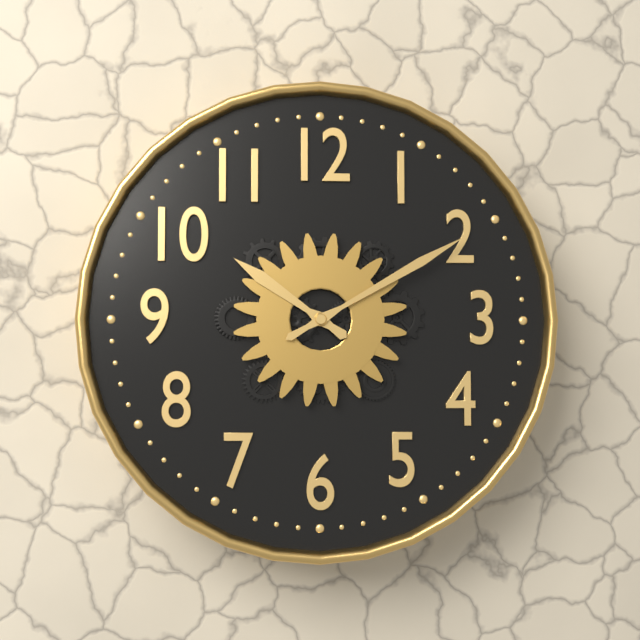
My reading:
10 h 10 min
